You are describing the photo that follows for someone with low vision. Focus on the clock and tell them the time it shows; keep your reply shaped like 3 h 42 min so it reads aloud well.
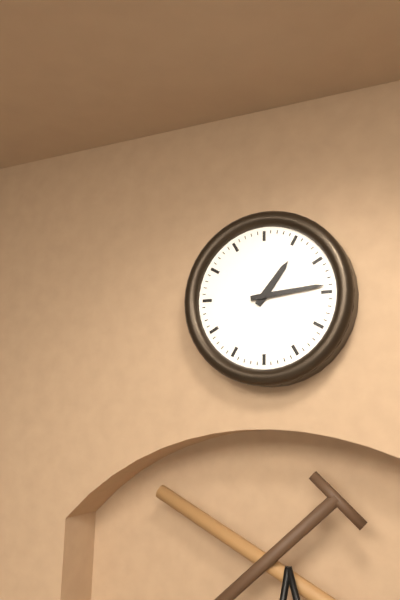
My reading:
1 h 14 min
